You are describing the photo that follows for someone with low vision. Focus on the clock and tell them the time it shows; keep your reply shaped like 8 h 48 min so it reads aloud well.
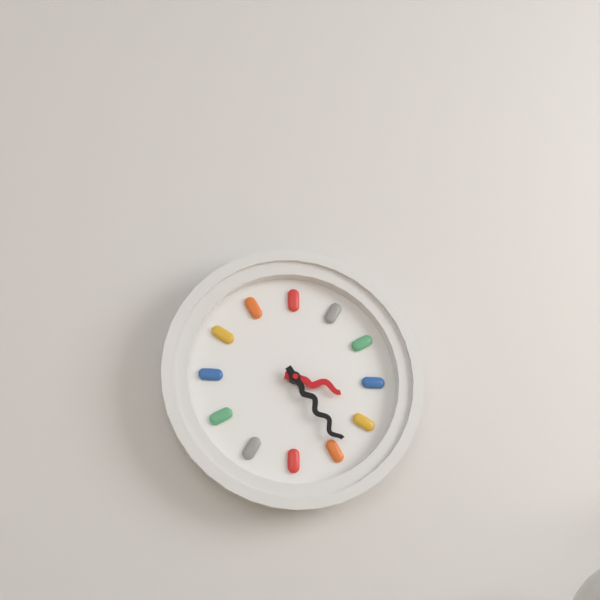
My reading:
3 h 24 min
